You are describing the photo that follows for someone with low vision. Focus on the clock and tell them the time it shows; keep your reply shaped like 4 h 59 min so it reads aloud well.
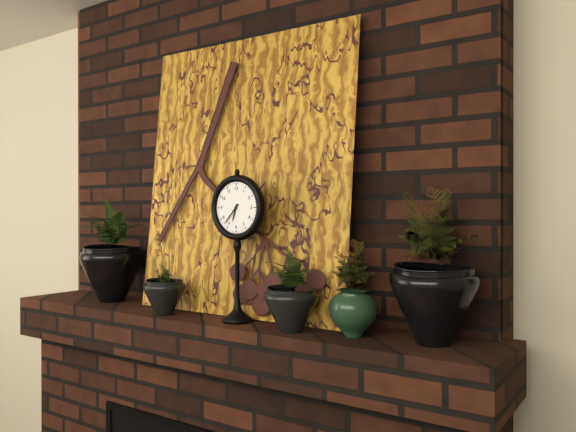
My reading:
6 h 37 min
